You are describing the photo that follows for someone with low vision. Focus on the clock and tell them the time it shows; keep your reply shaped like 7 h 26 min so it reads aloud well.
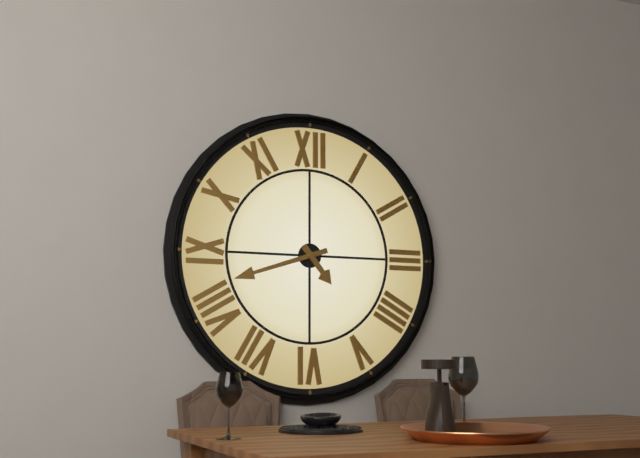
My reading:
4 h 42 min
